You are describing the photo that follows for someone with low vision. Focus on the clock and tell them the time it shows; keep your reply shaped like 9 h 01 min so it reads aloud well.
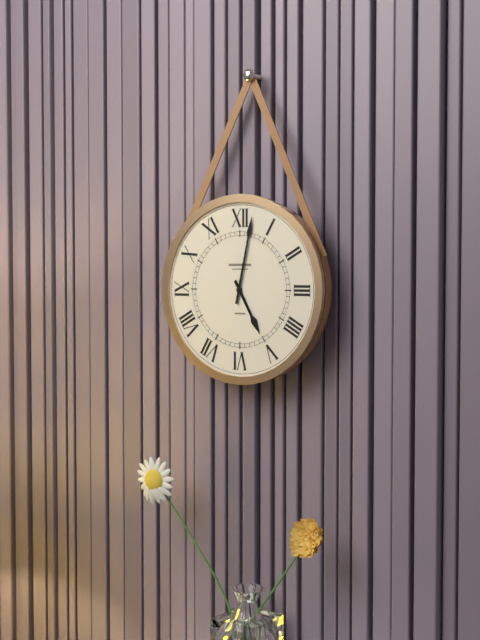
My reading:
5 h 02 min
